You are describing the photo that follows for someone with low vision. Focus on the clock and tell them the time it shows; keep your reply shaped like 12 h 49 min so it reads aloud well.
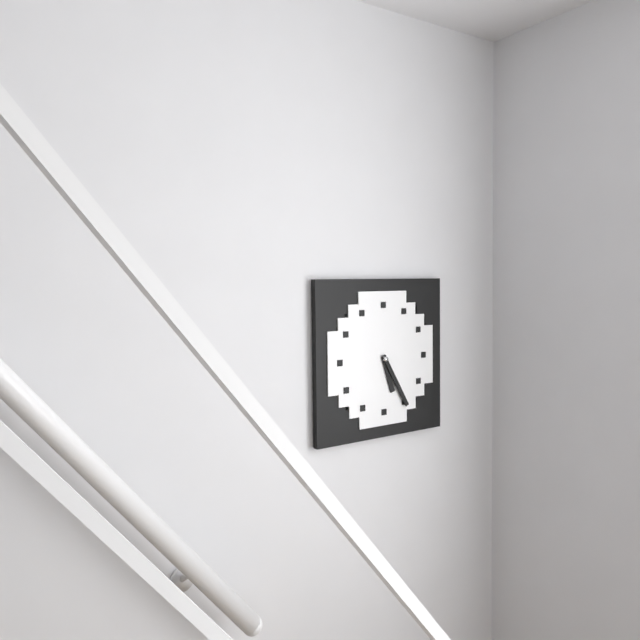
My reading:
5 h 25 min
